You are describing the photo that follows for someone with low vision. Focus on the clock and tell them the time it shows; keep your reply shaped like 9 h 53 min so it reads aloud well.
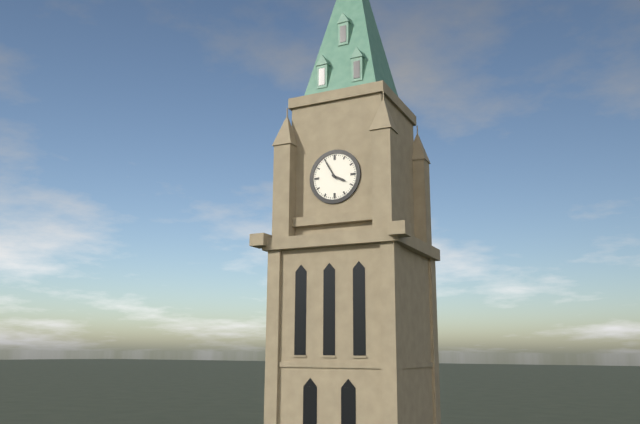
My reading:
3 h 55 min
